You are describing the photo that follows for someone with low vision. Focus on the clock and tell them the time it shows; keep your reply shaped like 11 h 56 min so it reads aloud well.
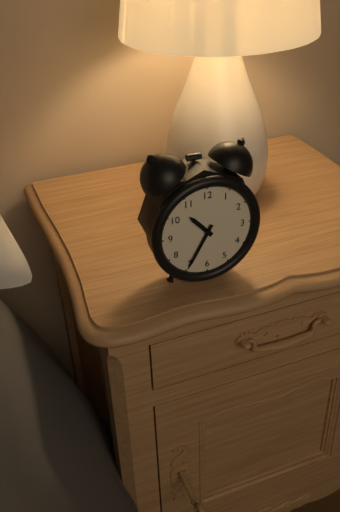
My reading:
10 h 35 min
